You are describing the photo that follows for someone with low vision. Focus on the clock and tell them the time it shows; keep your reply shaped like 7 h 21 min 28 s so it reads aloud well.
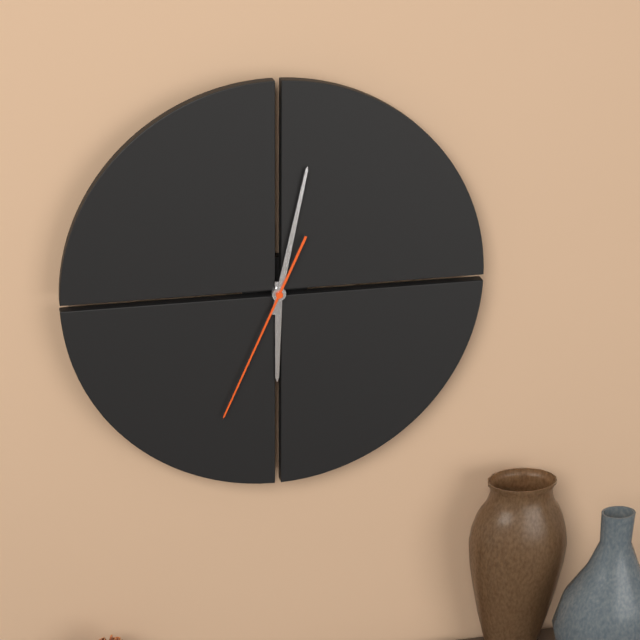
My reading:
6 h 02 min 34 s
